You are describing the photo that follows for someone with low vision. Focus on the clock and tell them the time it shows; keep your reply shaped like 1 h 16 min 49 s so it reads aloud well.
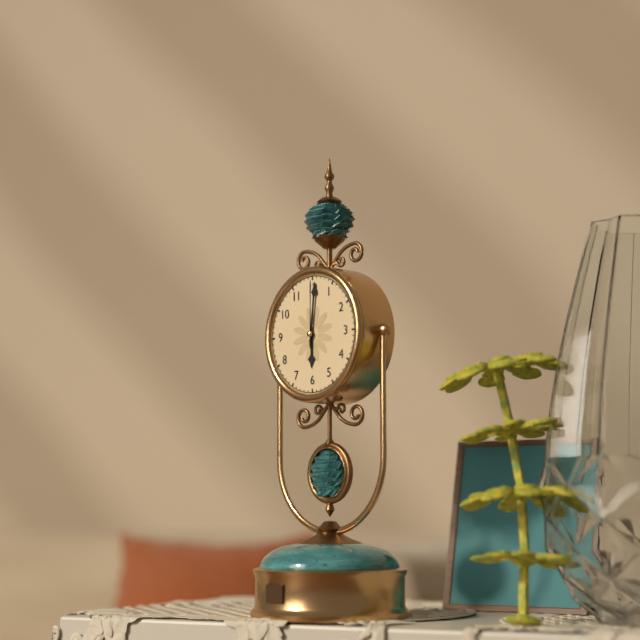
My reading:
6 h 01 min 00 s
